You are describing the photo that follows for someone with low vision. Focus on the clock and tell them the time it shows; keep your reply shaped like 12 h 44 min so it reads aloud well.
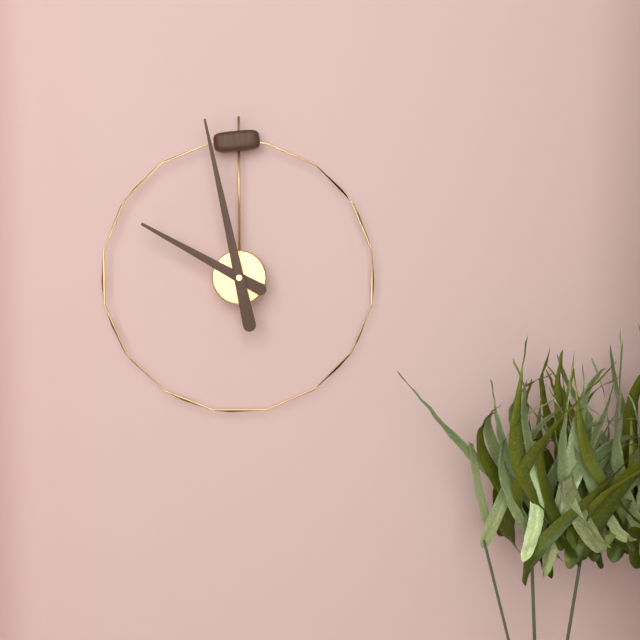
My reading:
9 h 58 min
